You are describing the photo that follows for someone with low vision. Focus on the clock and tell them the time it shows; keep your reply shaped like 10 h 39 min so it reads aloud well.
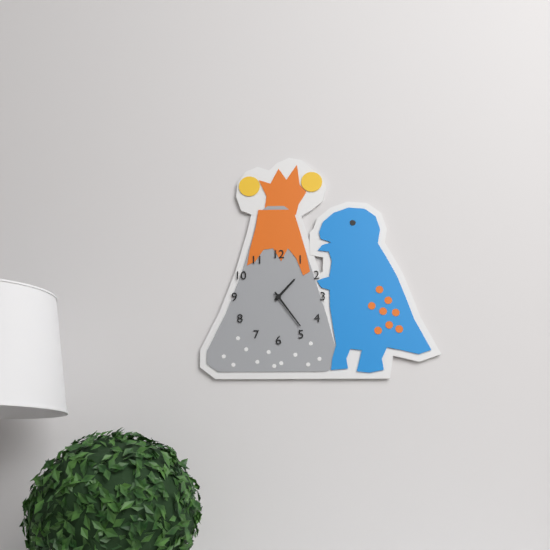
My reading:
1 h 24 min
